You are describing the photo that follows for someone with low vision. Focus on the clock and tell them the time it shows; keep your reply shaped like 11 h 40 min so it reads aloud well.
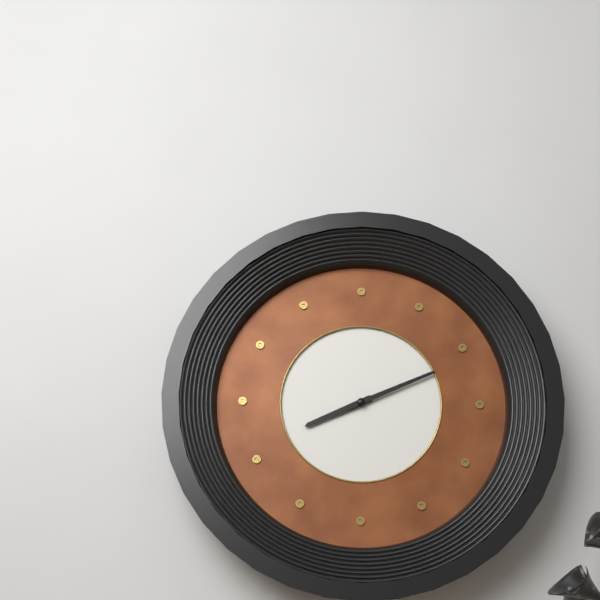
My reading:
8 h 11 min
